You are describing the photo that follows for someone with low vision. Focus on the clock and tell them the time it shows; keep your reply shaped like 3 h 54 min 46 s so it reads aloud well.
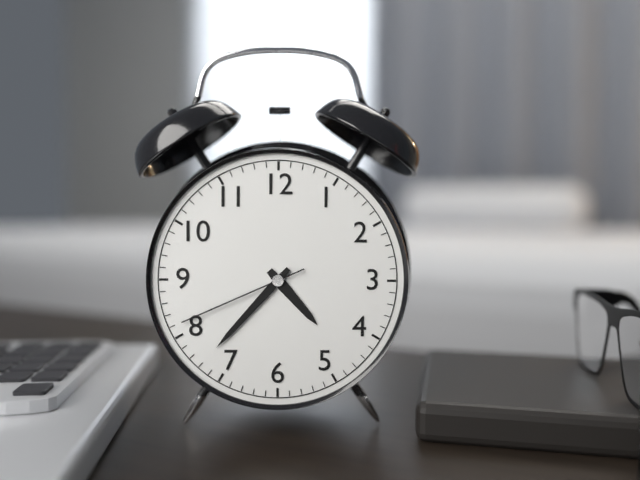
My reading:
4 h 37 min 41 s
